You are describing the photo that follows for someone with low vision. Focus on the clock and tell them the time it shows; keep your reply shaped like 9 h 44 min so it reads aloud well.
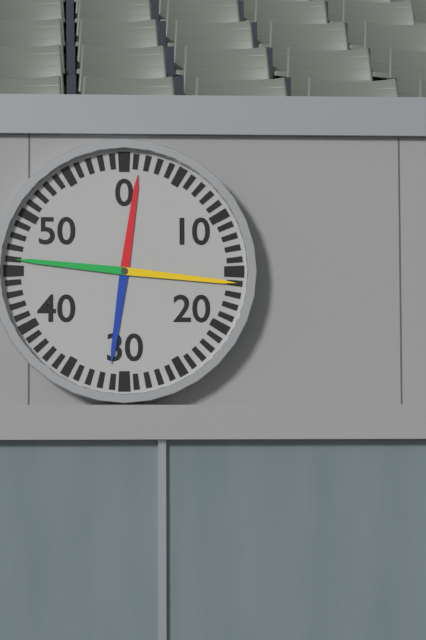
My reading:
12 h 16 min
